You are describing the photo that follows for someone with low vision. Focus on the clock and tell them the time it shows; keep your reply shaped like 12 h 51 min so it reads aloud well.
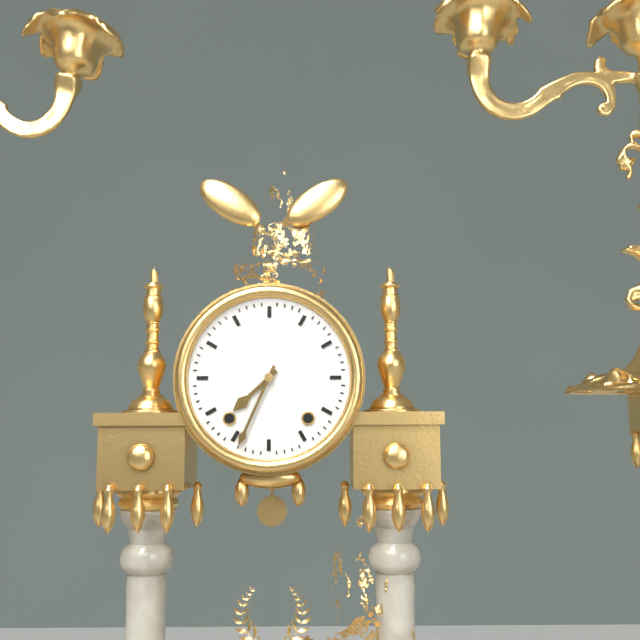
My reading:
7 h 34 min
